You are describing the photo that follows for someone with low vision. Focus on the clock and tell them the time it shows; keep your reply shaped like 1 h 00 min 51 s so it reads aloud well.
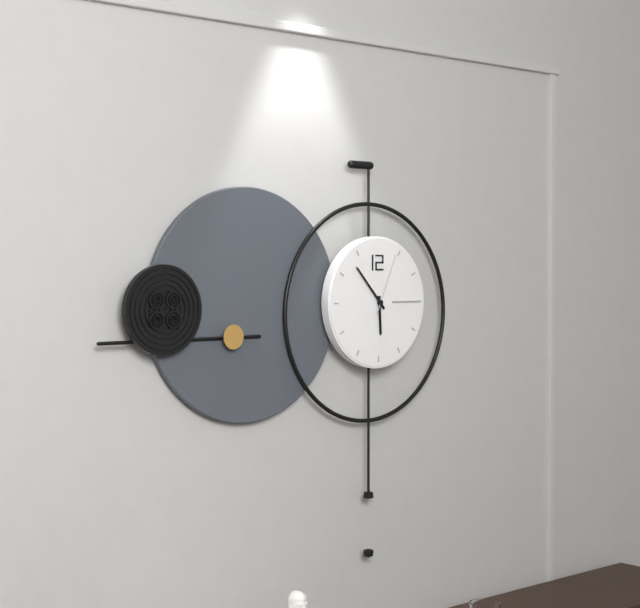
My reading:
5 h 53 min 04 s
